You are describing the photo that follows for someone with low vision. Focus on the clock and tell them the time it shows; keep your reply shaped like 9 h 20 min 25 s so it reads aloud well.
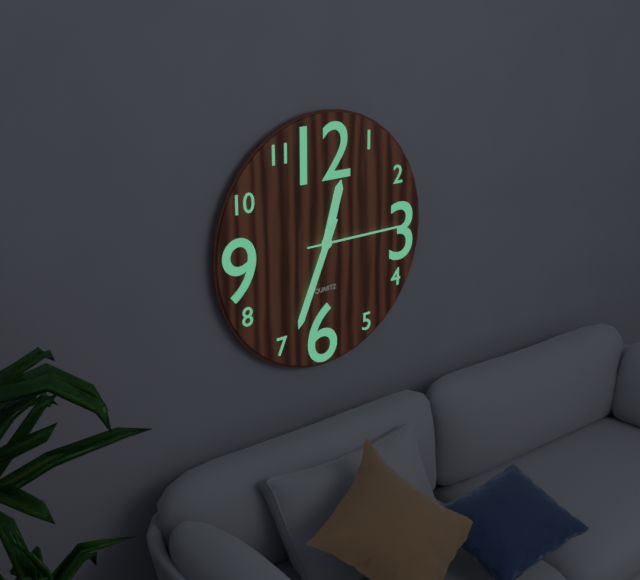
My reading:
12 h 34 min 15 s
